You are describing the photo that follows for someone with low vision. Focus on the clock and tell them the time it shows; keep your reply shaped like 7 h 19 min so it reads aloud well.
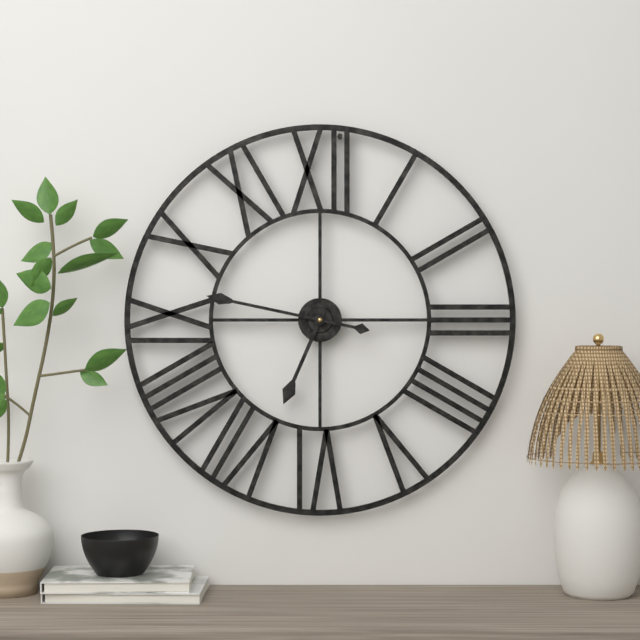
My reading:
6 h 47 min
